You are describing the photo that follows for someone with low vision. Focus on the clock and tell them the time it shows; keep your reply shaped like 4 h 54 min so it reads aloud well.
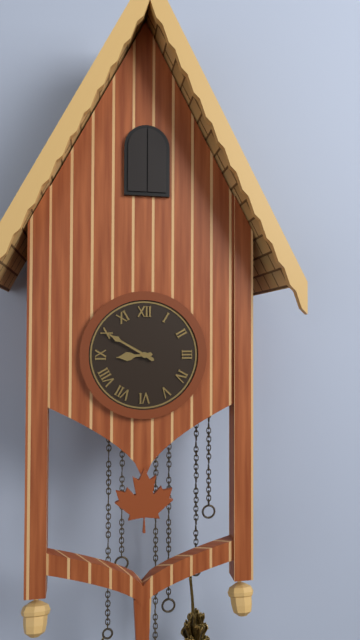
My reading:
8 h 50 min
